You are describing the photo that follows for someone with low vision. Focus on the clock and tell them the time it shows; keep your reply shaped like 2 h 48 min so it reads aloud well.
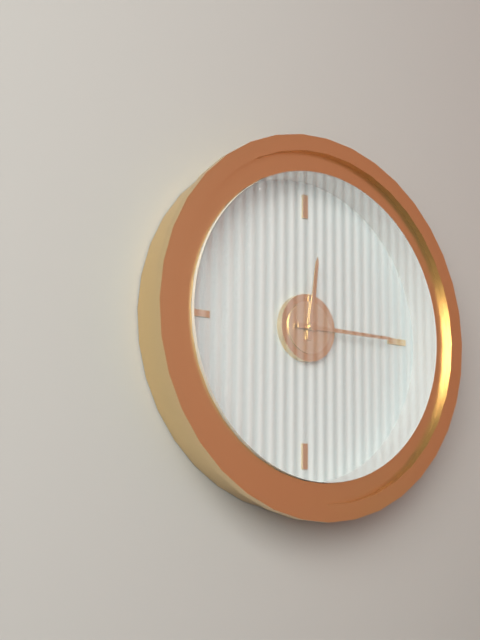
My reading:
12 h 15 min
